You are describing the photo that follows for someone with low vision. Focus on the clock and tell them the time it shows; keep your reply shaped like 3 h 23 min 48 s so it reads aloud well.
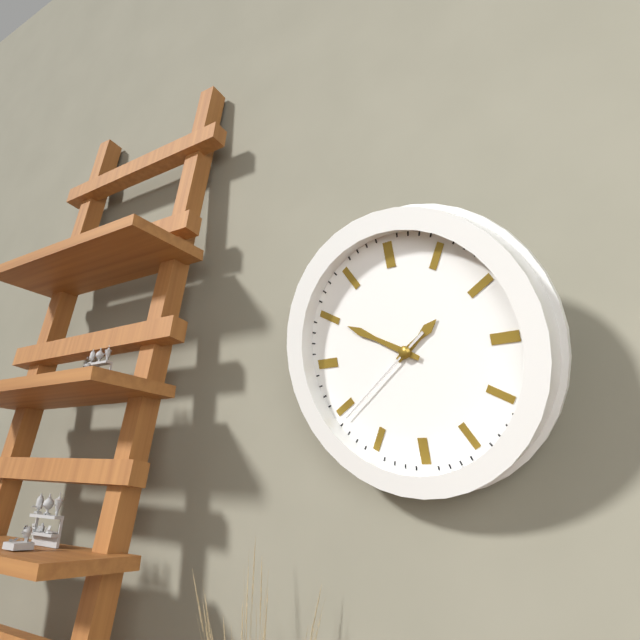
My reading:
1 h 50 min 39 s
